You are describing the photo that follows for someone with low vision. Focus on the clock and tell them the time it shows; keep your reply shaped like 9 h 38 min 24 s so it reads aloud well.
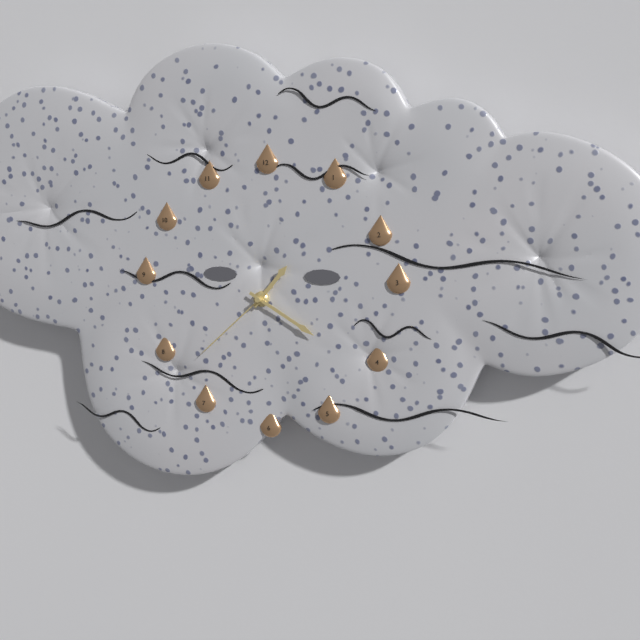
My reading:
1 h 20 min 38 s
